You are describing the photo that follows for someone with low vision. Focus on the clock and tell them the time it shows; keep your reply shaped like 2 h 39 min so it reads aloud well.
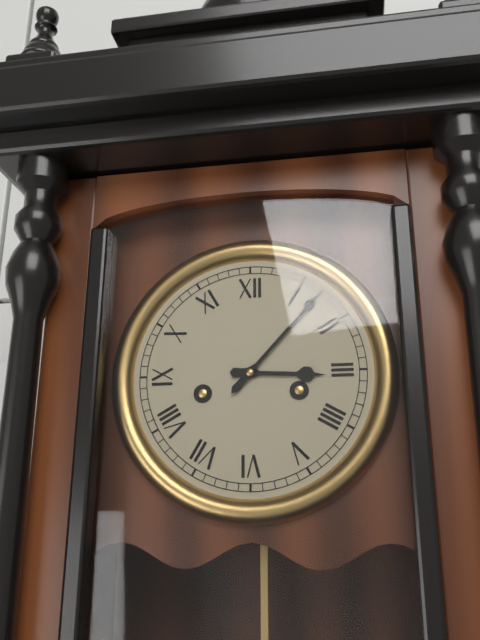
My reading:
3 h 07 min
